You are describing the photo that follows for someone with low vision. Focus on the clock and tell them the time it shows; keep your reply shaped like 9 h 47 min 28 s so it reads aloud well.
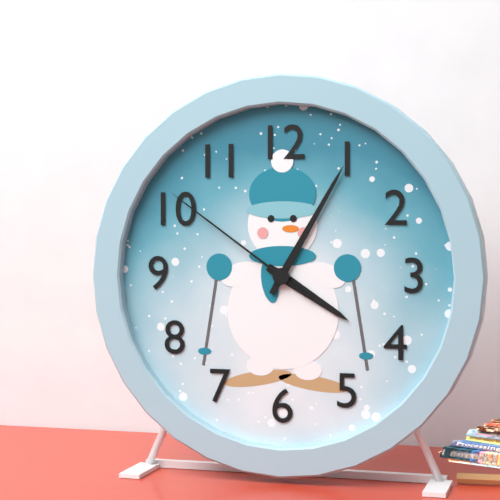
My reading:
4 h 05 min 51 s
